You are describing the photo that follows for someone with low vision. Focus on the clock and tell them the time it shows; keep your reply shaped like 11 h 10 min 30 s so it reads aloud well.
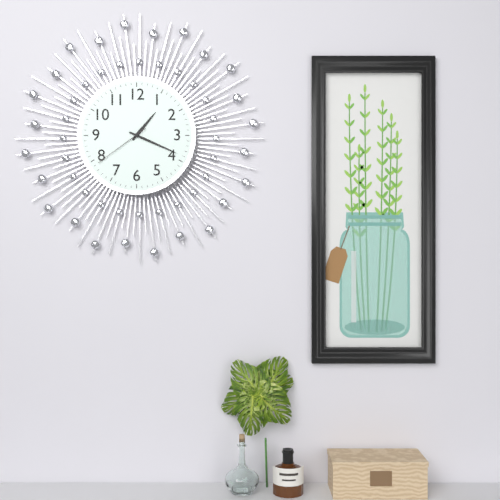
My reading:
1 h 19 min 39 s
